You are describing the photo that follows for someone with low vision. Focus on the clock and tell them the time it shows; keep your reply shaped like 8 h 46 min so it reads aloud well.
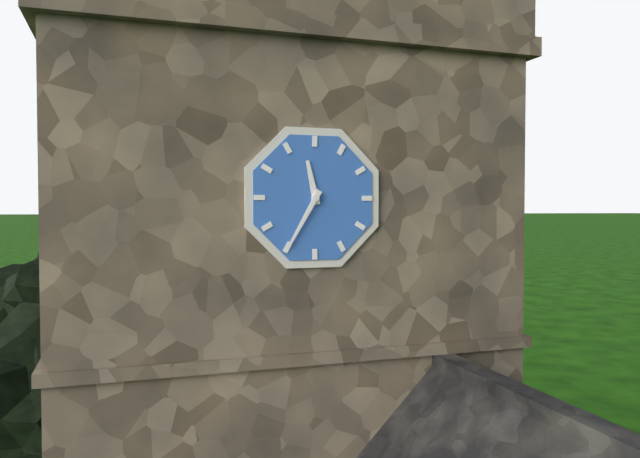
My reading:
11 h 35 min
